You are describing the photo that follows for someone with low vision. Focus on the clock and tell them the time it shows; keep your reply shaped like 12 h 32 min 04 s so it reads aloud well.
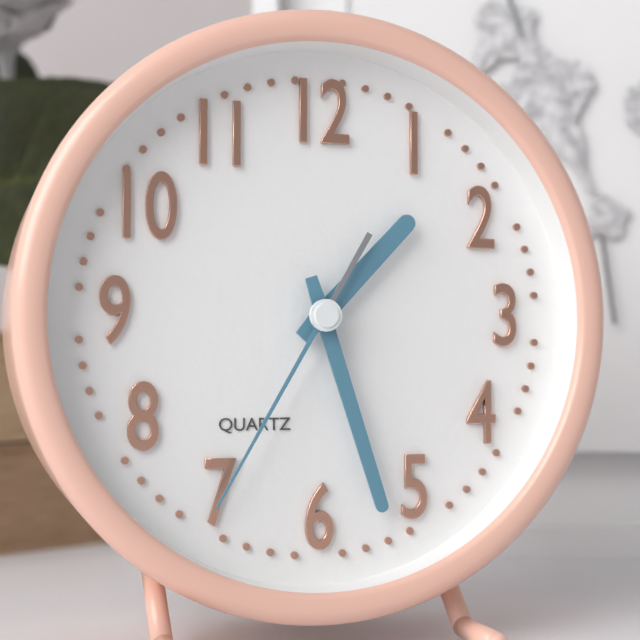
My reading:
1 h 27 min 35 s
